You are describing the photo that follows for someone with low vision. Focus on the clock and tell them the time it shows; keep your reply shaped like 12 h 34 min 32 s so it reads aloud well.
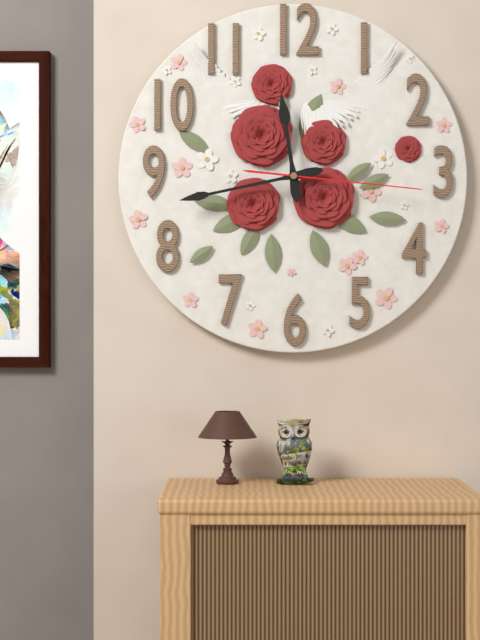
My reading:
11 h 43 min 16 s
